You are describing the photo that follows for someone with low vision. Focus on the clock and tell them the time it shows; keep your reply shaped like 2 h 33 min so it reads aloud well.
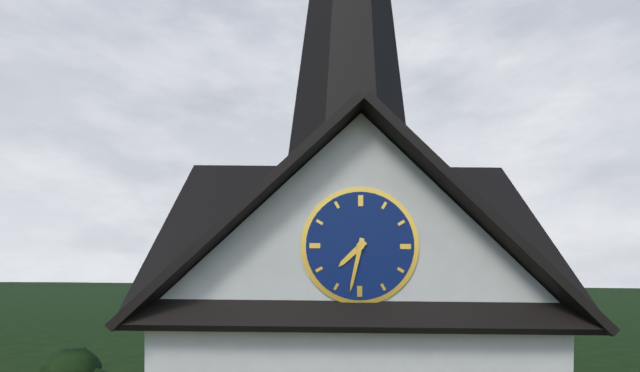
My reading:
7 h 32 min
